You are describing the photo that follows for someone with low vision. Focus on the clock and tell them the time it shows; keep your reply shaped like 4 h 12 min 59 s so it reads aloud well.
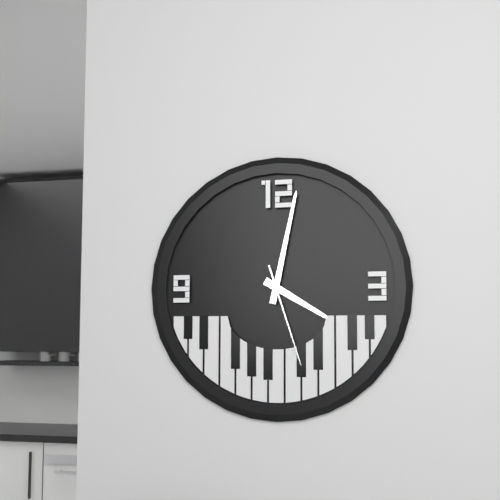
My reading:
4 h 02 min 27 s
